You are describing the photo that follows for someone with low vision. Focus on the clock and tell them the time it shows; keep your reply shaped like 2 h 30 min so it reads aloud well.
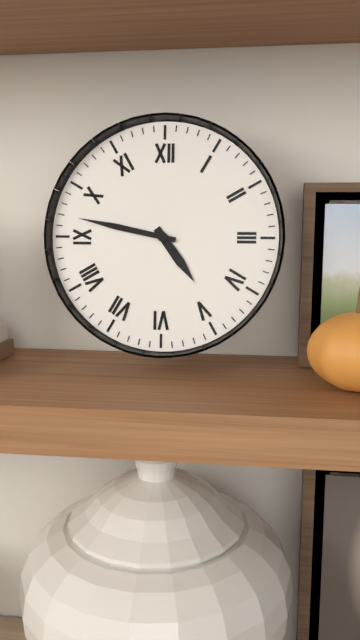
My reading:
4 h 47 min
